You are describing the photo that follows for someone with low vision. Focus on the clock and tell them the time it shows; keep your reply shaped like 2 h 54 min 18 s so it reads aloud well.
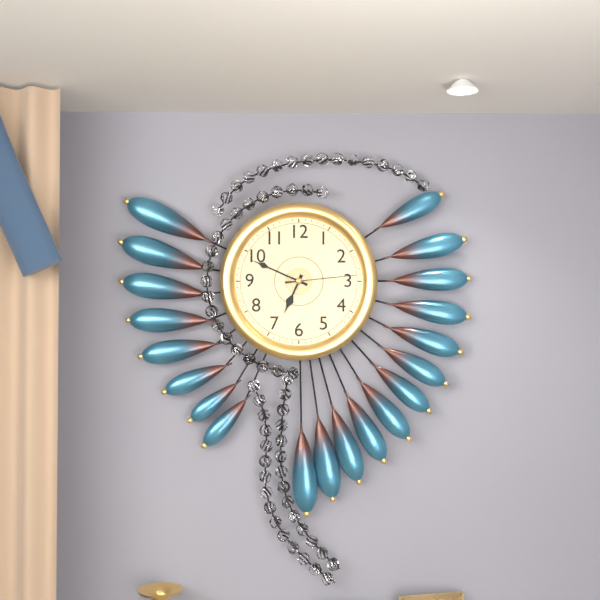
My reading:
6 h 49 min 14 s
